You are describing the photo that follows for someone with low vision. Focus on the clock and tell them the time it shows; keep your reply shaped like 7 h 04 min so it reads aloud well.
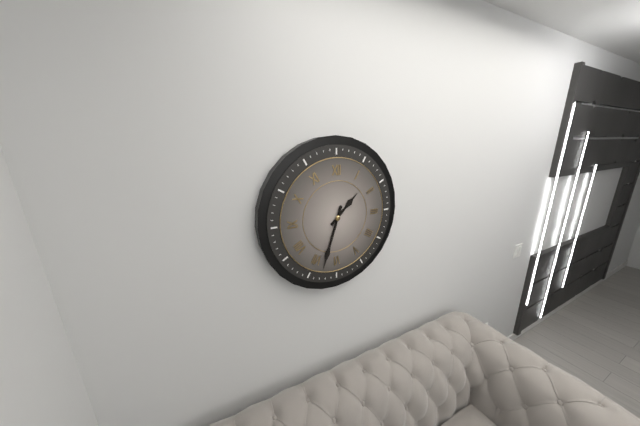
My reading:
1 h 33 min
